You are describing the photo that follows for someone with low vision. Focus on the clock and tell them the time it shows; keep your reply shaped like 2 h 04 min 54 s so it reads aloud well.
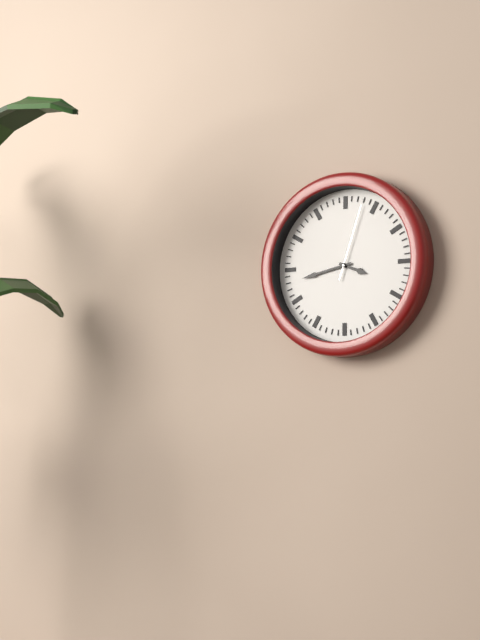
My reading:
3 h 43 min 03 s
